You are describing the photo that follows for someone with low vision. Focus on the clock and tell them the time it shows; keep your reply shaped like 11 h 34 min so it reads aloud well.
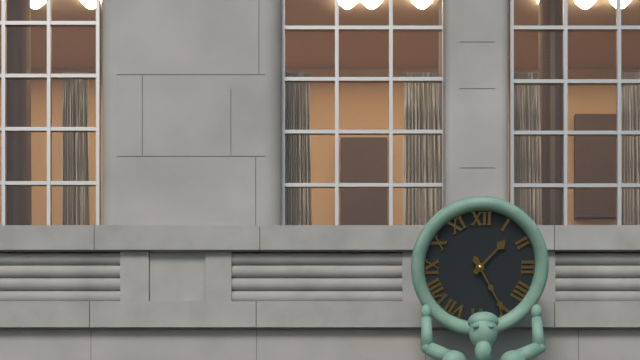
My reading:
1 h 25 min
